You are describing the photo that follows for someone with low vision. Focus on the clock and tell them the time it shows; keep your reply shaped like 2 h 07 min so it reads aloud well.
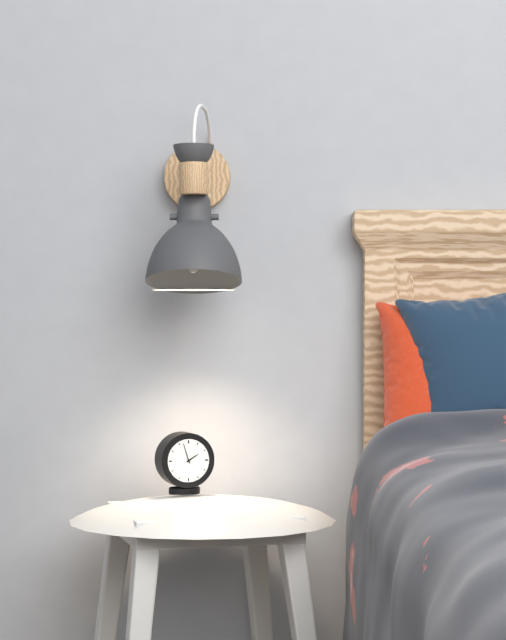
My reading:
1 h 57 min
